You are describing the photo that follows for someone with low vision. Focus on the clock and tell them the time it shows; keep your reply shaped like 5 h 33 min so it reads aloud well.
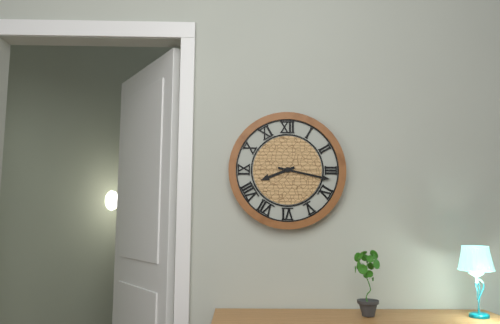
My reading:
8 h 17 min
